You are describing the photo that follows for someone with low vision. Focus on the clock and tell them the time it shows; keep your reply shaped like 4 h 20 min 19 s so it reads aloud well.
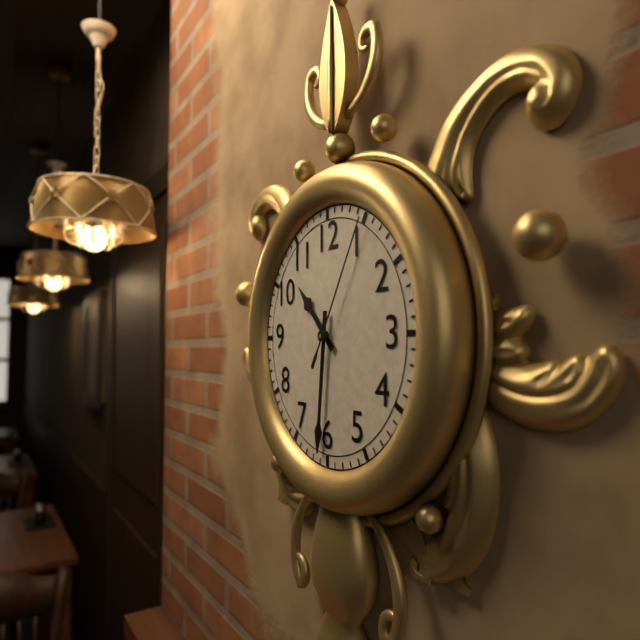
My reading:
10 h 31 min 05 s
